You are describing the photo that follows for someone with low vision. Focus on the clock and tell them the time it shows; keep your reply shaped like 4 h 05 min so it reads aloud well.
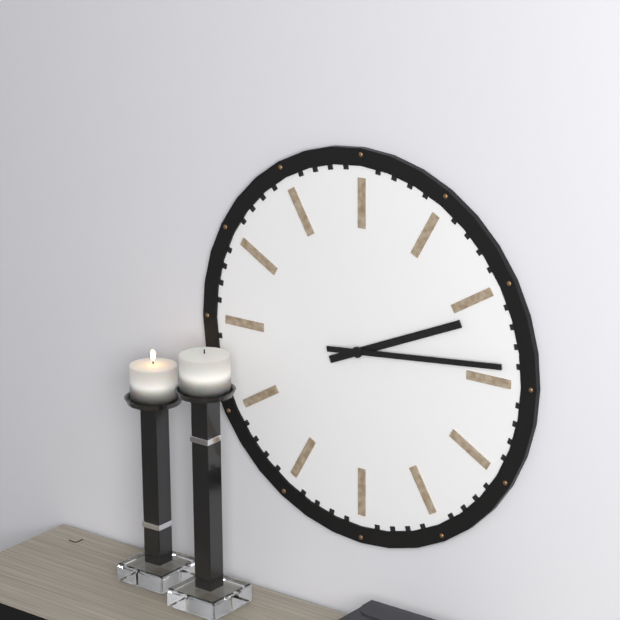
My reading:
2 h 14 min
